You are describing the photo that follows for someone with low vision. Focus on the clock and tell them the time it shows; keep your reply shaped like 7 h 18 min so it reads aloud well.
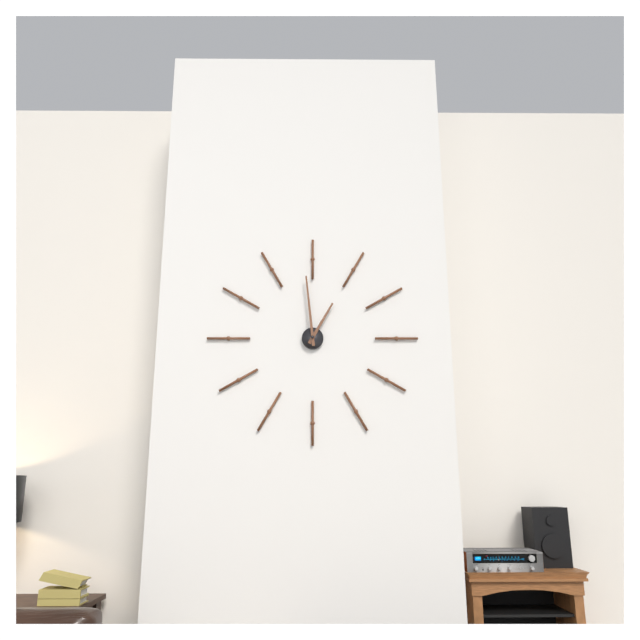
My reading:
12 h 59 min
